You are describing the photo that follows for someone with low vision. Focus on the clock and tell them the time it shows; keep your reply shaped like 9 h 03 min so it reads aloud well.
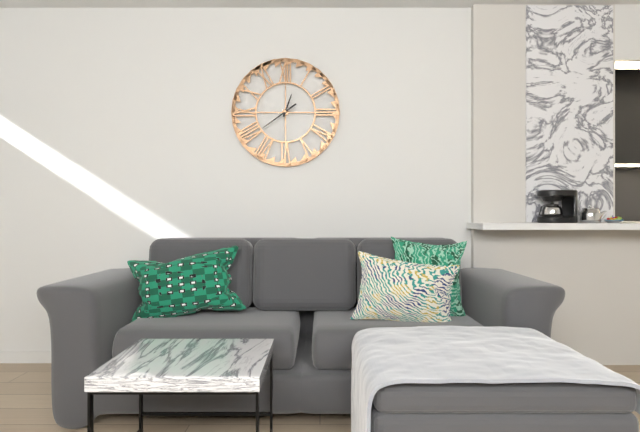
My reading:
12 h 39 min
